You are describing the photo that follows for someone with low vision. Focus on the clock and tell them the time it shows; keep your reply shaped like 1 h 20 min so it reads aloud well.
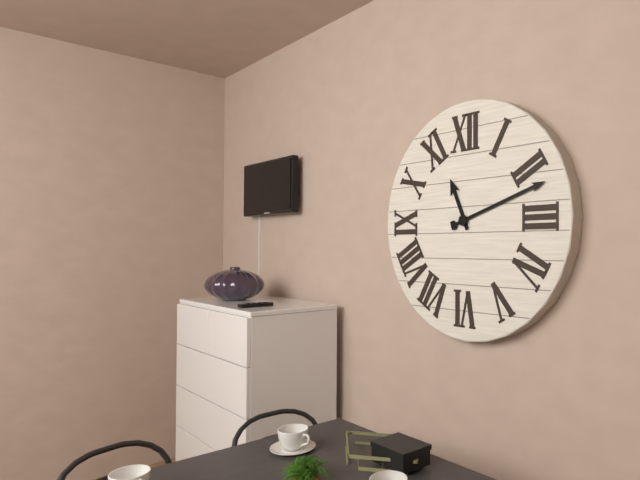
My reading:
11 h 12 min
